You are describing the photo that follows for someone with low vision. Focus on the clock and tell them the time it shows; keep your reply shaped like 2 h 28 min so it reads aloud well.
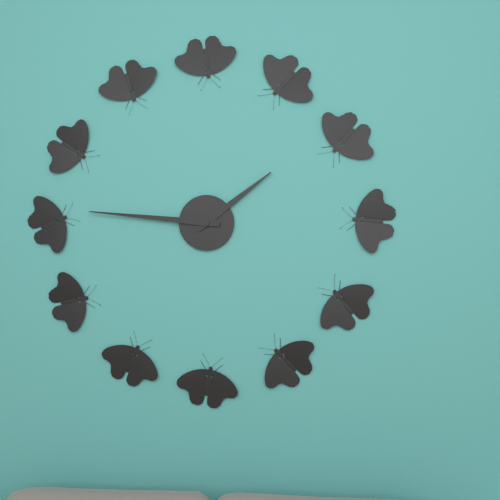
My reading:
1 h 46 min
